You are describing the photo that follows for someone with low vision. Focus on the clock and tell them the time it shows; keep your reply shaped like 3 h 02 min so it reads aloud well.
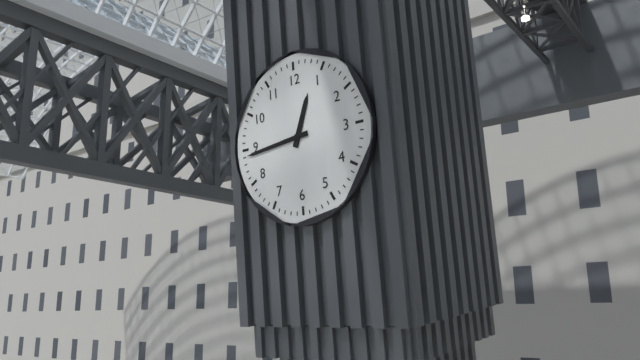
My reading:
12 h 44 min
